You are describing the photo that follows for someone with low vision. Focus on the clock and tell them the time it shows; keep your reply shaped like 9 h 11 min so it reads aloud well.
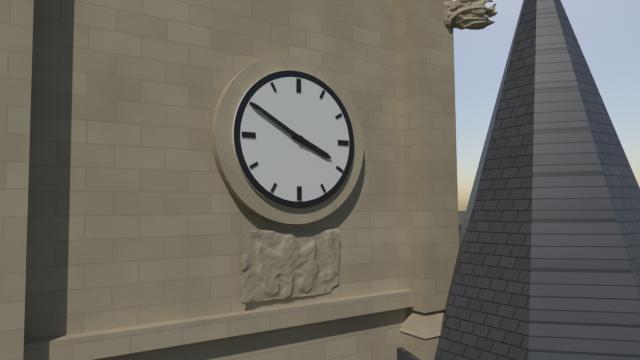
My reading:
3 h 50 min
